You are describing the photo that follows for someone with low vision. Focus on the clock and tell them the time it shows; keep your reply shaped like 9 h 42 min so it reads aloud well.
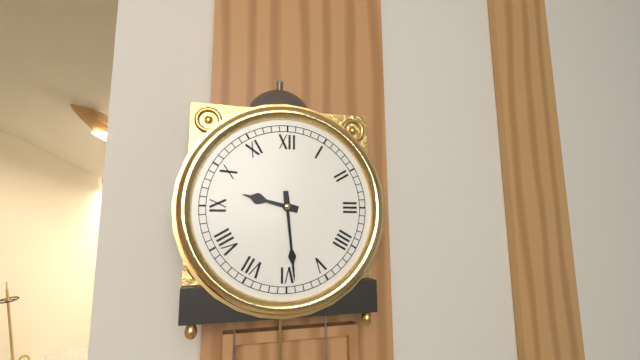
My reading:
9 h 29 min
